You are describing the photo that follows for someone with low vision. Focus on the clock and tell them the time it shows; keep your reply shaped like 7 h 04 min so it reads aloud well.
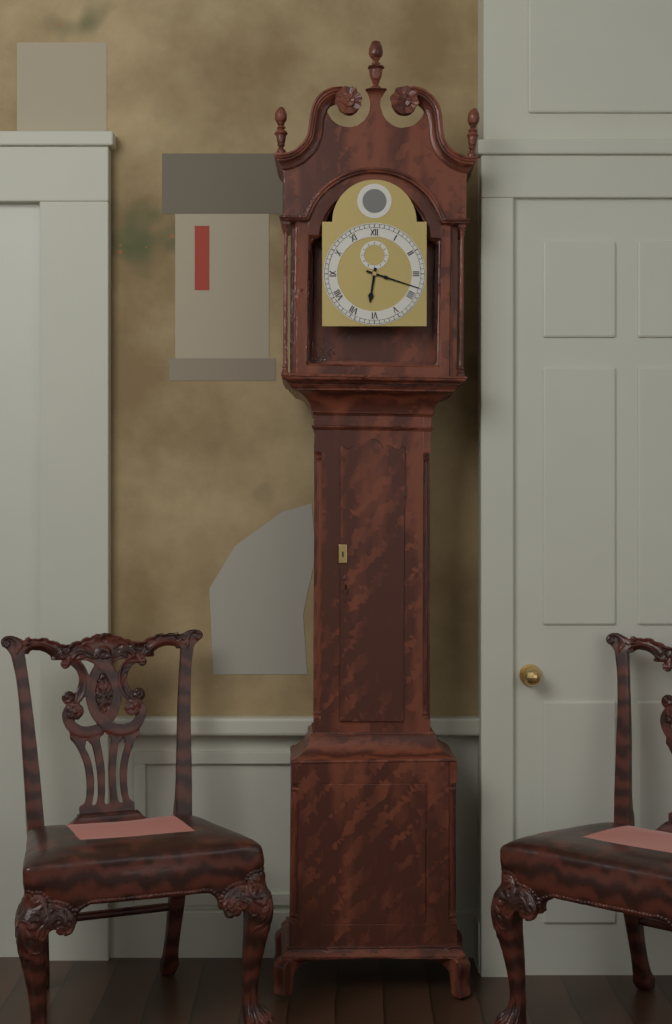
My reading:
6 h 18 min
